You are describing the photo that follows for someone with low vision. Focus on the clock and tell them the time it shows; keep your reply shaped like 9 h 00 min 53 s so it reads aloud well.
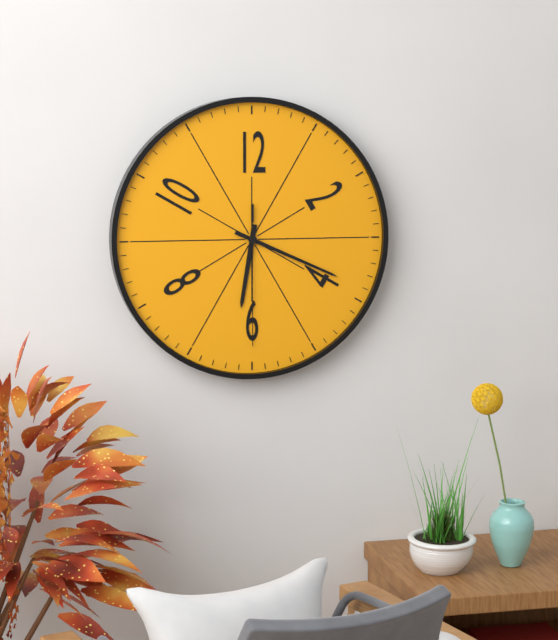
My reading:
6 h 19 min 30 s
